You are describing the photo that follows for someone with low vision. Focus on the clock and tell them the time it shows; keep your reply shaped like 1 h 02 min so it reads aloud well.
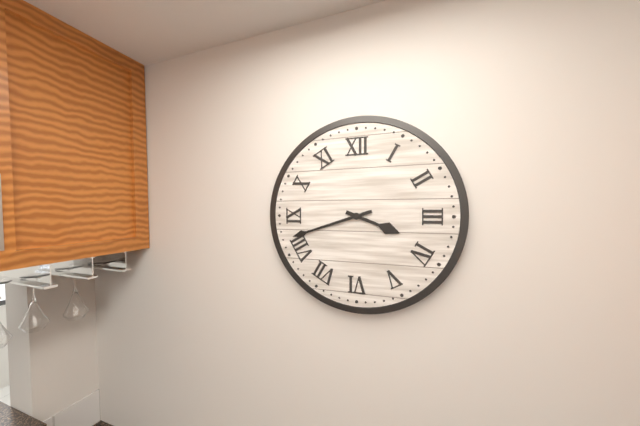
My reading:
3 h 42 min
